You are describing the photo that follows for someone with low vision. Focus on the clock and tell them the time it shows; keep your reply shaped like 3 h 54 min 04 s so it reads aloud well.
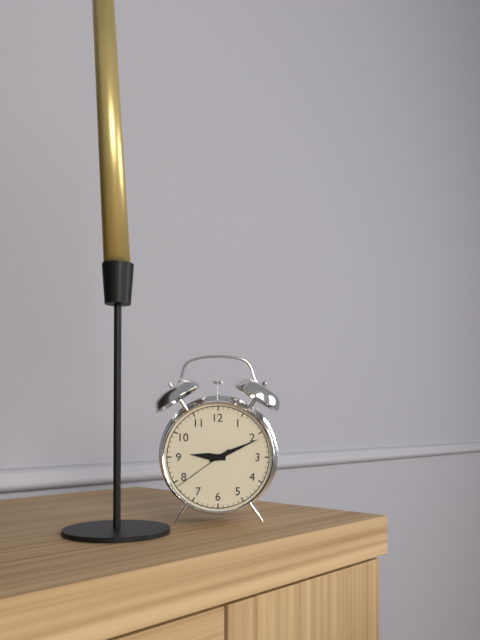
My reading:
9 h 11 min 39 s
